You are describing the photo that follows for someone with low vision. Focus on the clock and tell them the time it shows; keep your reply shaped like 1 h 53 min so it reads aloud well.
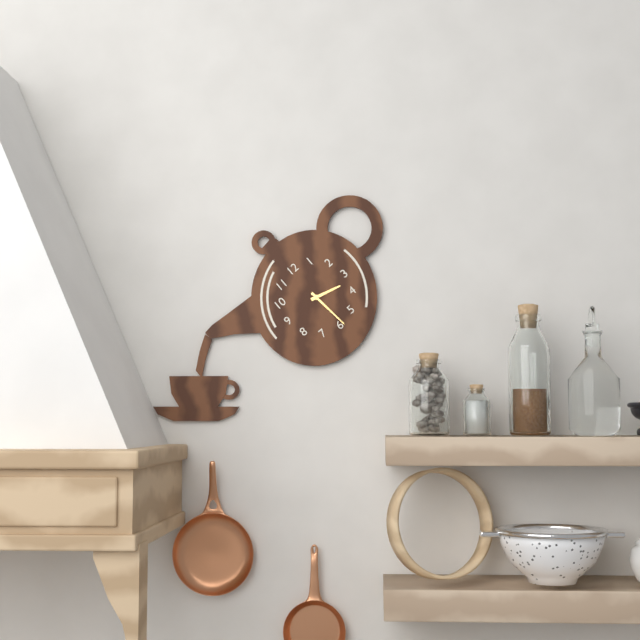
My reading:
3 h 29 min
